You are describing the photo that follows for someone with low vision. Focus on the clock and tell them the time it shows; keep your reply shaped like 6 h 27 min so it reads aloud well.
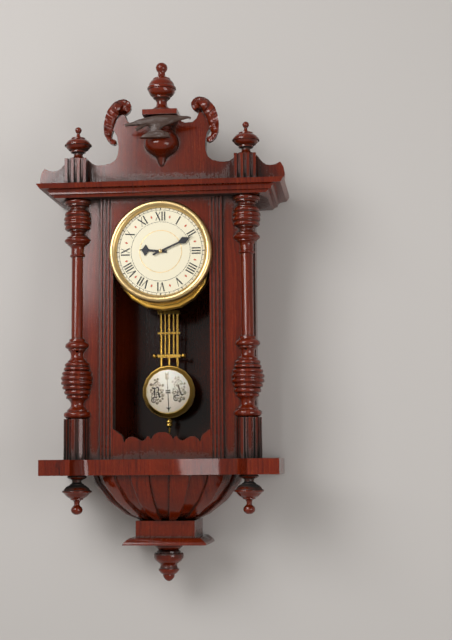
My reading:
9 h 11 min
